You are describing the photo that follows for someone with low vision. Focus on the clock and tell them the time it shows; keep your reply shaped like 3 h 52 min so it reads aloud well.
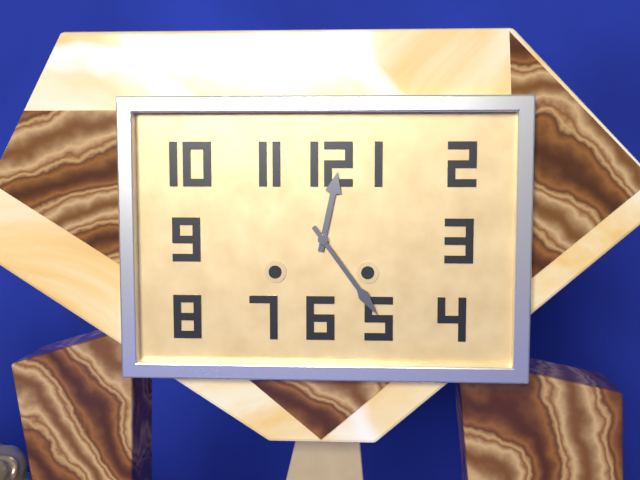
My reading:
12 h 24 min
